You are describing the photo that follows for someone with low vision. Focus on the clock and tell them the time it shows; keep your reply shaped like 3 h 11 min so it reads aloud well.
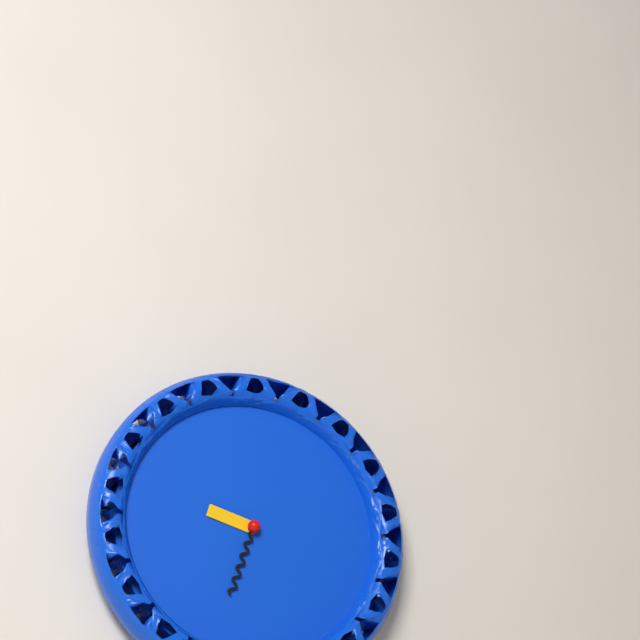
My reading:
9 h 33 min
